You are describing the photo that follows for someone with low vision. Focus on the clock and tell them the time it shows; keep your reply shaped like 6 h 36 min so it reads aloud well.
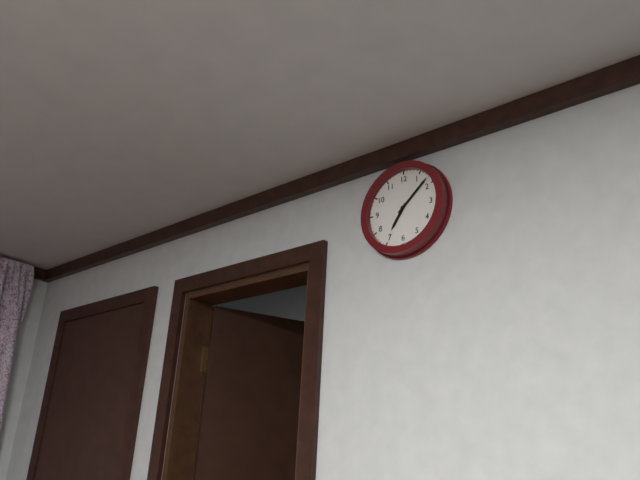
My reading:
7 h 08 min
